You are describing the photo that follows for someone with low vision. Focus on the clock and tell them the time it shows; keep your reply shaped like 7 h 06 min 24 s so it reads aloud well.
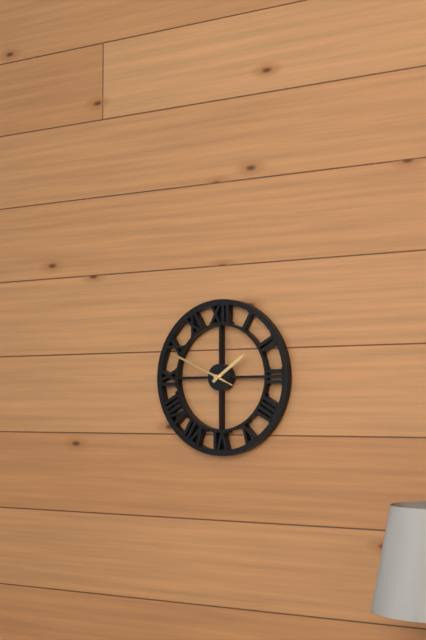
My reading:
1 h 49 min 49 s
